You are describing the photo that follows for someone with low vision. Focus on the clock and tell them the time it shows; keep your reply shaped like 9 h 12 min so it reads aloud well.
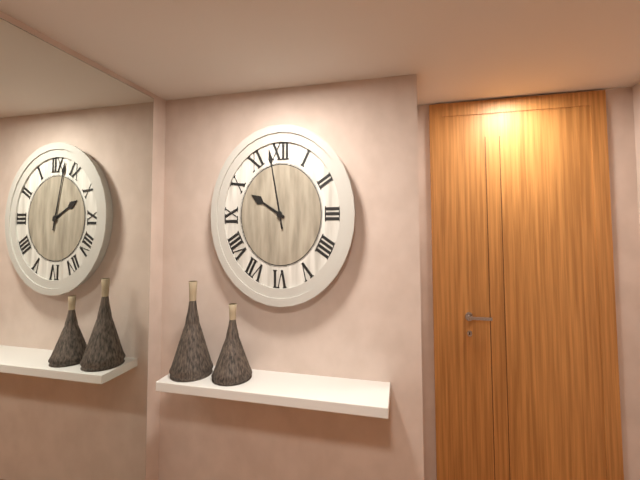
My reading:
9 h 58 min
